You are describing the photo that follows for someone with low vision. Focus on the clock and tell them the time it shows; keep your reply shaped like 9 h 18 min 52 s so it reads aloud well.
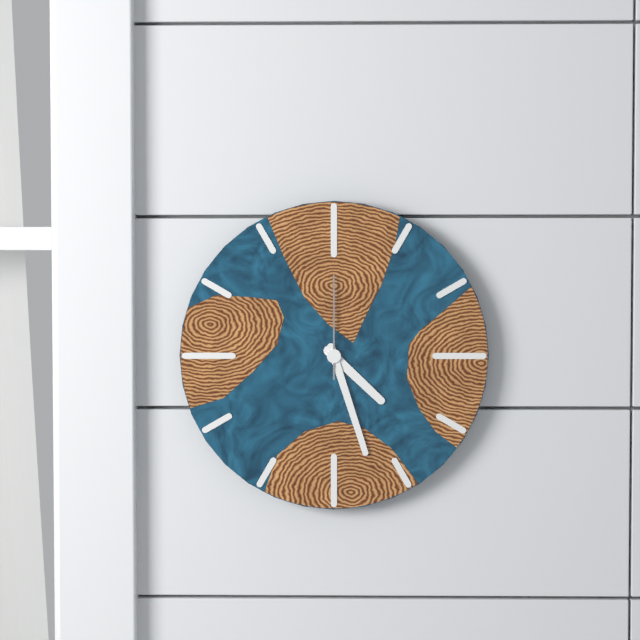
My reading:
4 h 27 min 00 s
